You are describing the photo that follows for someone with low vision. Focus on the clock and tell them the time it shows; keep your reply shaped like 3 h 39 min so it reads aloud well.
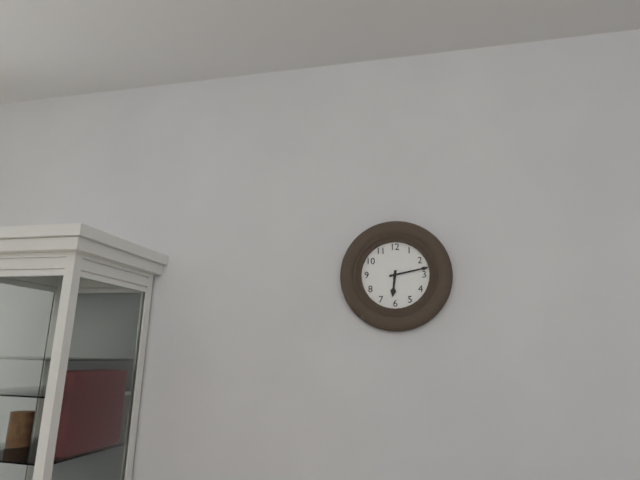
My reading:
6 h 13 min
